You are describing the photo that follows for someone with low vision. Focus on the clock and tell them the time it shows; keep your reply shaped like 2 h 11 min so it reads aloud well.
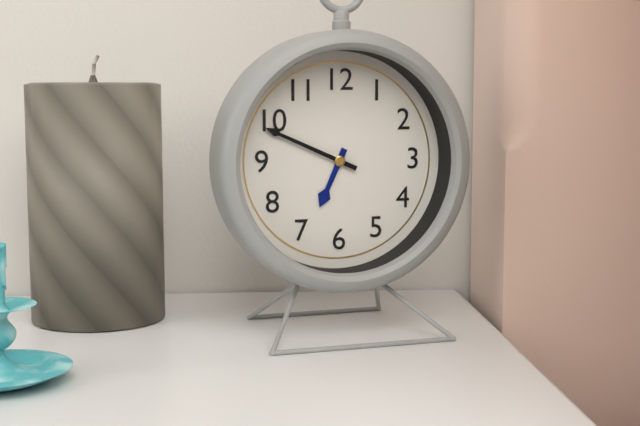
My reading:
6 h 49 min
